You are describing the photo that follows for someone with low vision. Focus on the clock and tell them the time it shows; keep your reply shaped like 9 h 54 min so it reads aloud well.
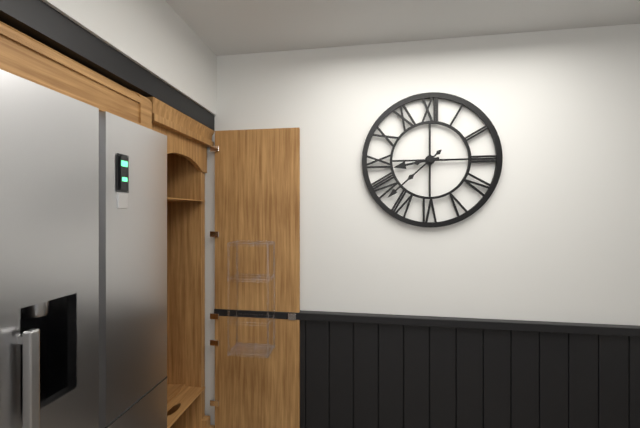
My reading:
8 h 38 min
